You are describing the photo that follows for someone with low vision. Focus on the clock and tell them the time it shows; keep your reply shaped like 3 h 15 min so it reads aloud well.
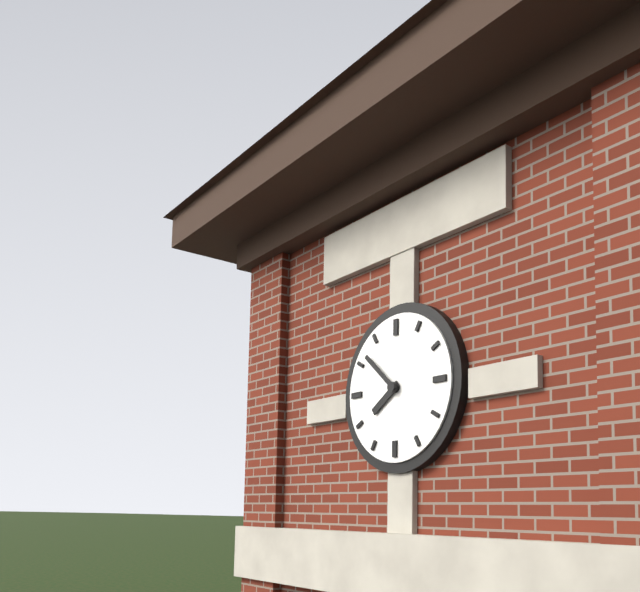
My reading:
7 h 52 min
